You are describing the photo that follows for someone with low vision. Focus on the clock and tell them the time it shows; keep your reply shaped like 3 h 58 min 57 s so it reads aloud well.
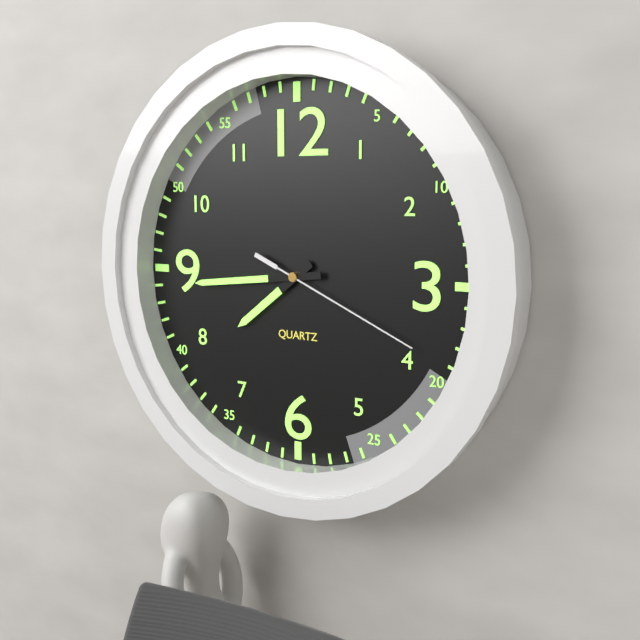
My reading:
7 h 44 min 19 s
